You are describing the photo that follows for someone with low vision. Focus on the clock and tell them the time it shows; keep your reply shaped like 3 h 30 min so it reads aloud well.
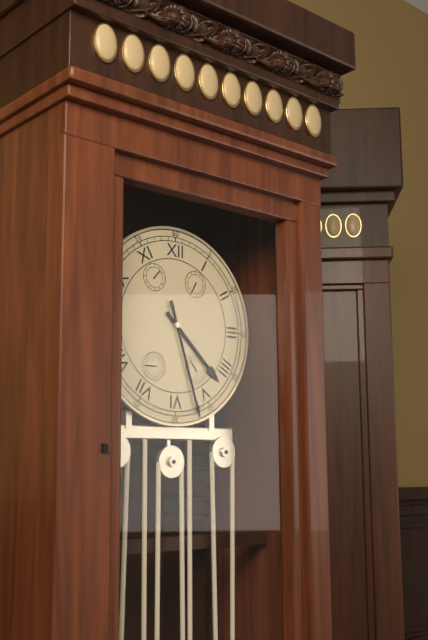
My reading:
4 h 27 min
